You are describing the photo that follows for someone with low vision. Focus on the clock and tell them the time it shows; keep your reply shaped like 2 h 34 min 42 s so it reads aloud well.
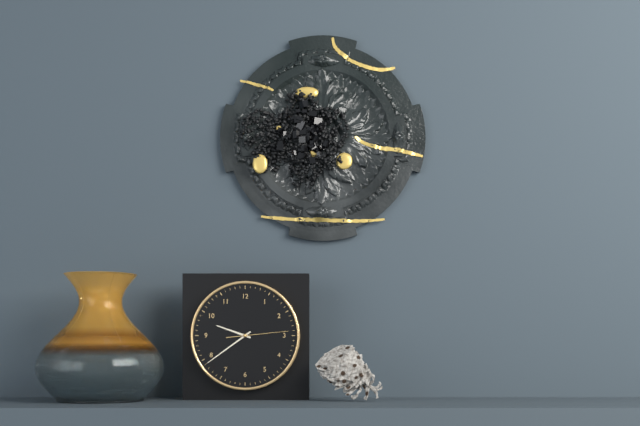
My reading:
9 h 39 min 14 s
